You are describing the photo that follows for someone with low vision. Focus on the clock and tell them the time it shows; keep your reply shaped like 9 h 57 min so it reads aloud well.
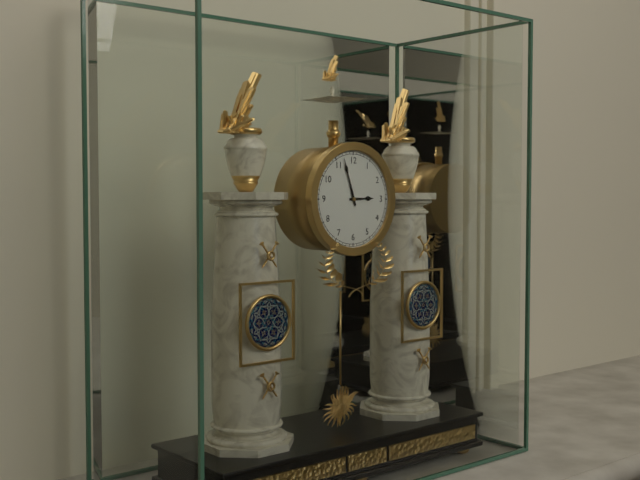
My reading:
2 h 57 min
